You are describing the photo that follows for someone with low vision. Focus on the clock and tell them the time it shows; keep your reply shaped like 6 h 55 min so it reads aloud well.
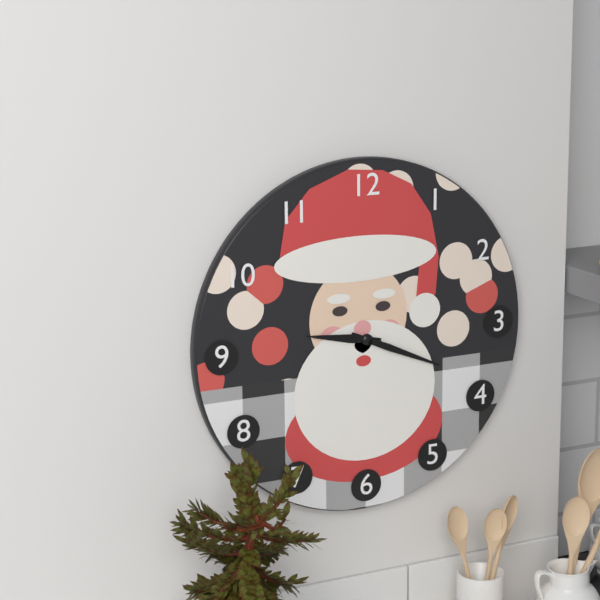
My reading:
9 h 19 min
